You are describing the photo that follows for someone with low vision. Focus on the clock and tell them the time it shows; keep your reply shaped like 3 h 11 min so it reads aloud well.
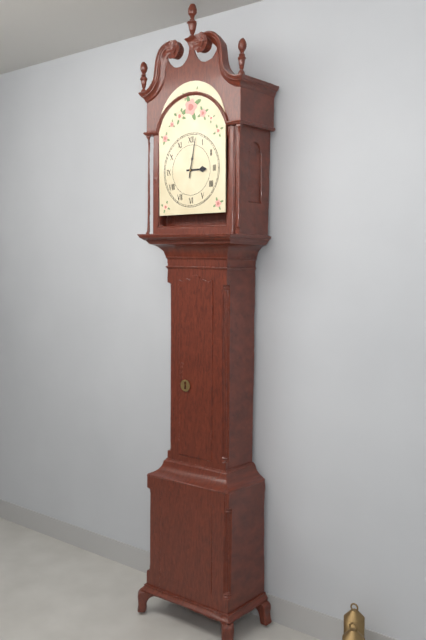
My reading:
3 h 02 min
